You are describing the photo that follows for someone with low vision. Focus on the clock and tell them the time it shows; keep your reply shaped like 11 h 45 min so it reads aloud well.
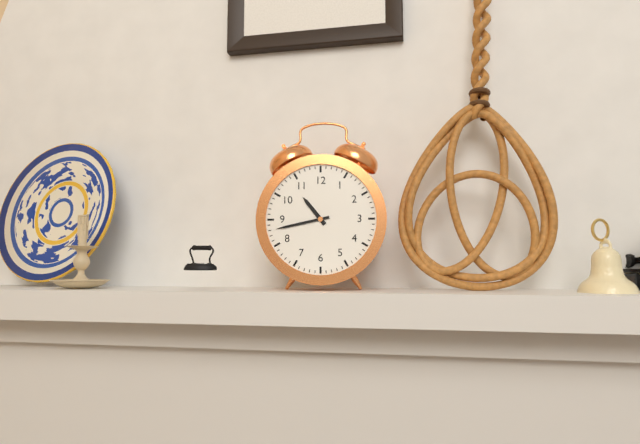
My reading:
10 h 43 min
